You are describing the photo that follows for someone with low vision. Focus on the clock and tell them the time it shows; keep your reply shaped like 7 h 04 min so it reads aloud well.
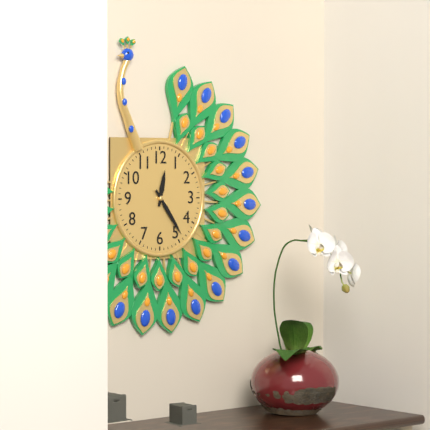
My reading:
12 h 24 min
